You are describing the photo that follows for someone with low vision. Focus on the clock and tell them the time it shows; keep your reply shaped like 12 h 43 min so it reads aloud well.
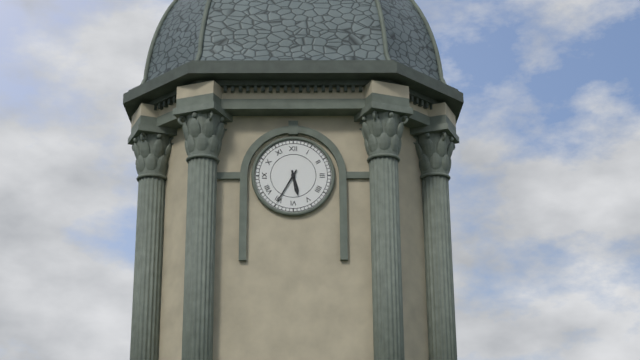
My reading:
5 h 35 min
